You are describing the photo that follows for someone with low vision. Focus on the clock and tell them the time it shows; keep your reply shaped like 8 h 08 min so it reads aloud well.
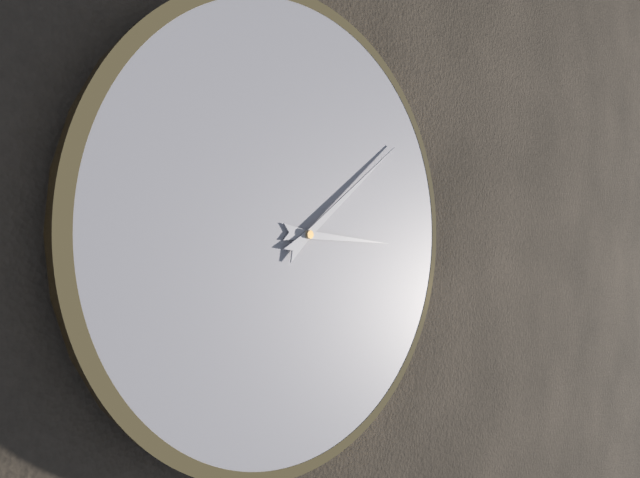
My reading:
3 h 09 min
